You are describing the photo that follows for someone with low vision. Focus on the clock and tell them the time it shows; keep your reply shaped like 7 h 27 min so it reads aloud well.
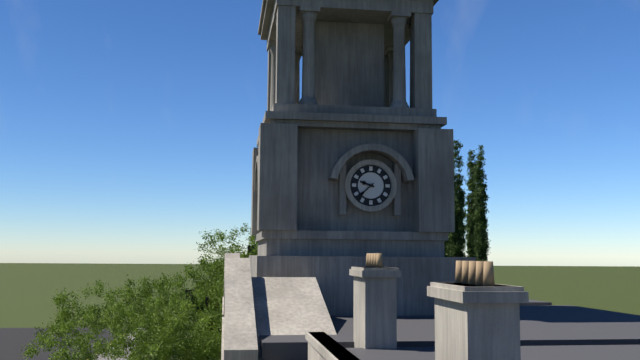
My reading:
9 h 38 min
